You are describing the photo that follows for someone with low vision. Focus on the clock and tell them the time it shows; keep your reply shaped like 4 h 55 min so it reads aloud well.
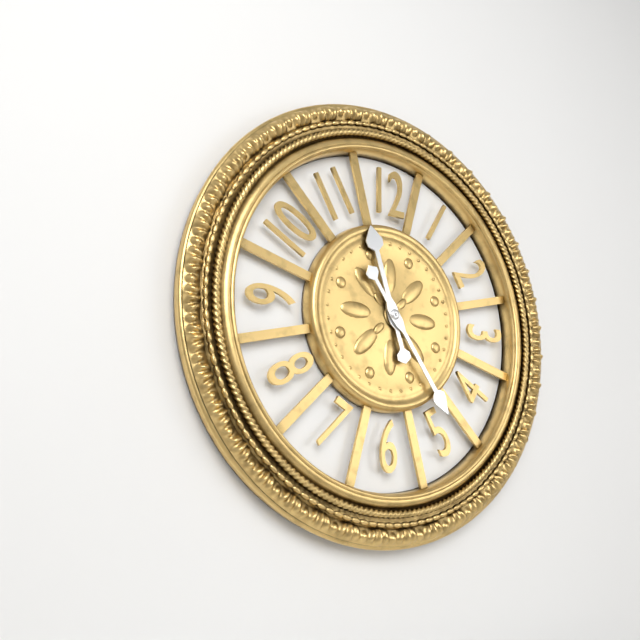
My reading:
11 h 24 min
